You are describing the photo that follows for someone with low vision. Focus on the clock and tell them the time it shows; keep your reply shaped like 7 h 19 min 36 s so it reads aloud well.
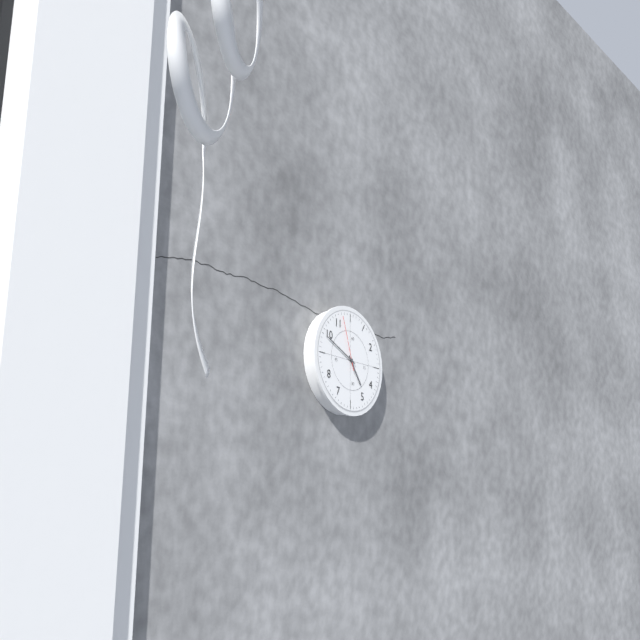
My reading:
4 h 49 min 57 s
